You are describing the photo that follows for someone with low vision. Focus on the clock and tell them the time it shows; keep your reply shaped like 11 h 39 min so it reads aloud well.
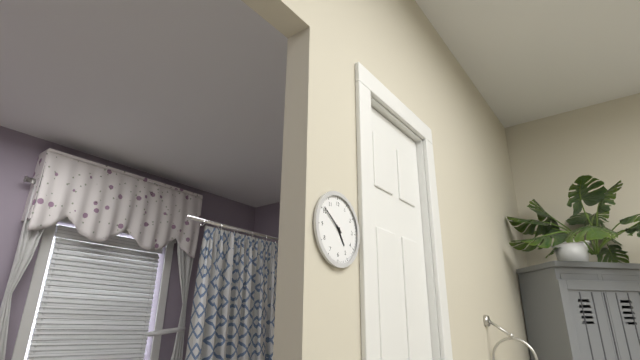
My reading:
4 h 51 min
